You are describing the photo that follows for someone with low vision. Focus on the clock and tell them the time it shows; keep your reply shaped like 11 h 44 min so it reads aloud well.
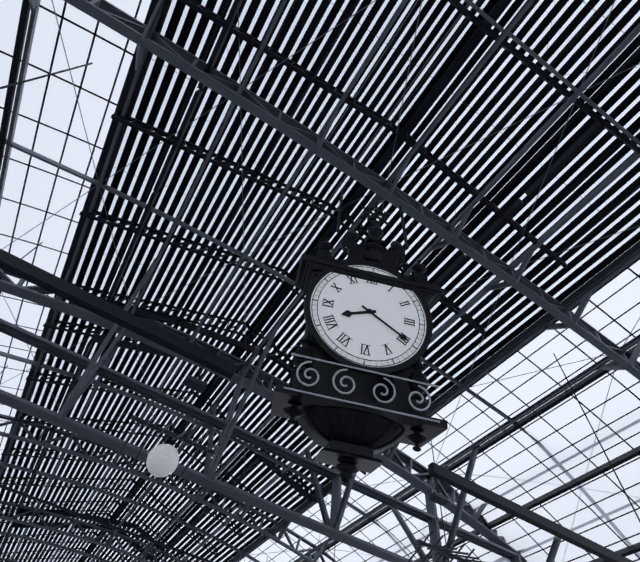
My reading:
8 h 20 min
